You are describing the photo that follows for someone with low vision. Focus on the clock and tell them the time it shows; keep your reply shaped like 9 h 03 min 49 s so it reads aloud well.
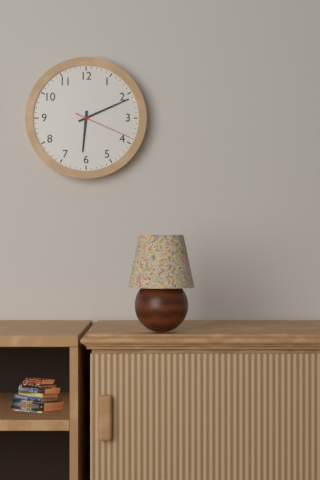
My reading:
6 h 11 min 19 s
